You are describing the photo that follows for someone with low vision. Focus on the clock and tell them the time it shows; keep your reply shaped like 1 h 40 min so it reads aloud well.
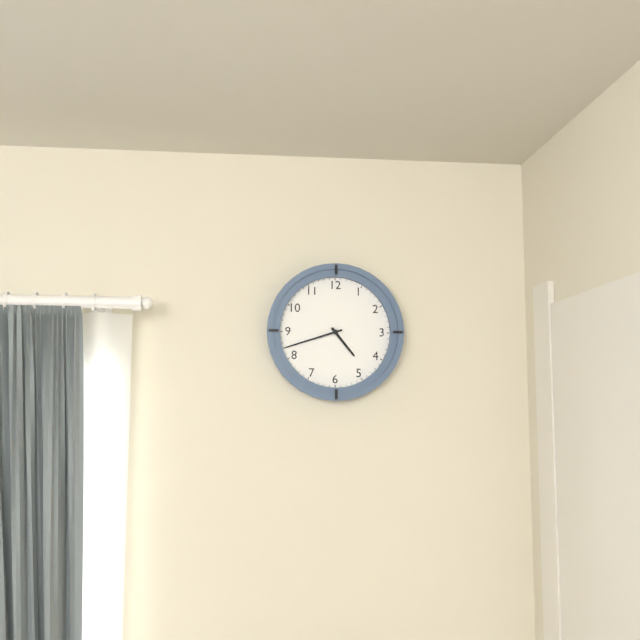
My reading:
4 h 42 min
